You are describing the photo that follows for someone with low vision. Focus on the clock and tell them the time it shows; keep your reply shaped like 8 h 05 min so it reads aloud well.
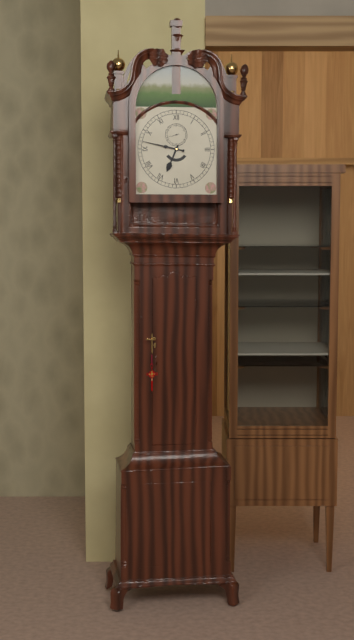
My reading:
6 h 47 min
